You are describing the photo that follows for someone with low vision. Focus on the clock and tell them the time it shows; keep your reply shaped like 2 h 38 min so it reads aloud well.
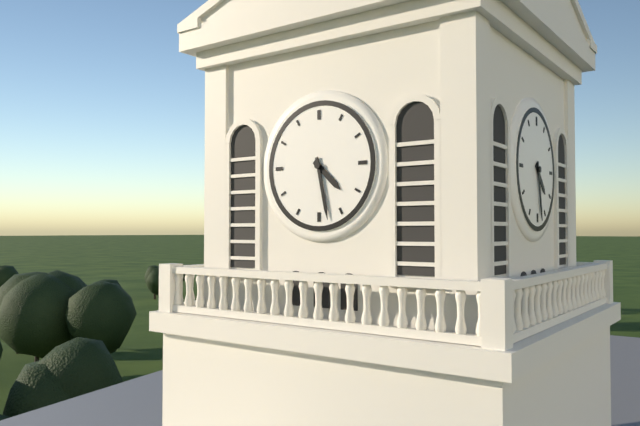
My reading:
4 h 28 min
